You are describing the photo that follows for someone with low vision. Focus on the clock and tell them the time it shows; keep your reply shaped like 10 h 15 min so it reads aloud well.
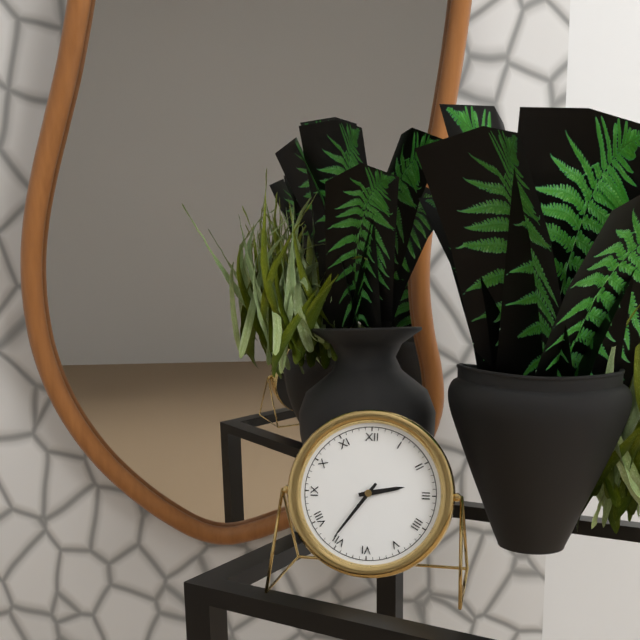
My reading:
2 h 36 min
